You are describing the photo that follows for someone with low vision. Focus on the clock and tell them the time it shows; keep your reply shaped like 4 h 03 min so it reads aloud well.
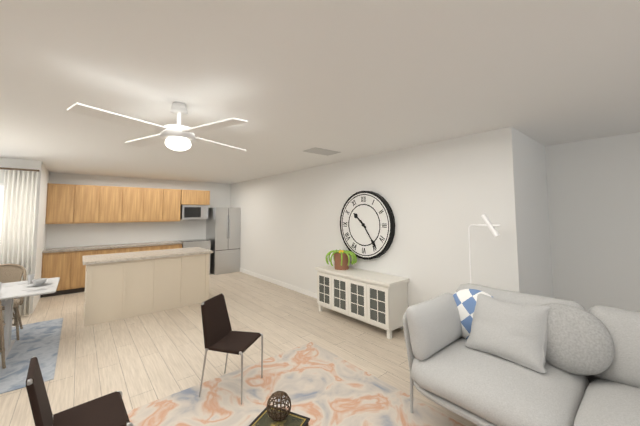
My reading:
10 h 24 min
